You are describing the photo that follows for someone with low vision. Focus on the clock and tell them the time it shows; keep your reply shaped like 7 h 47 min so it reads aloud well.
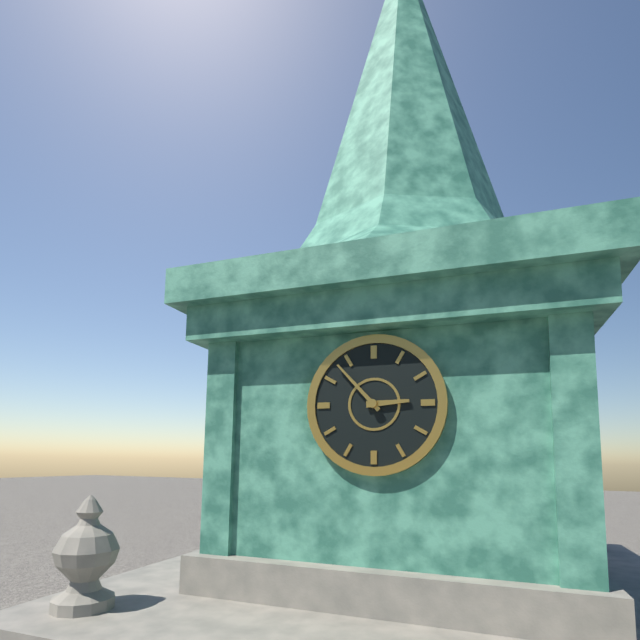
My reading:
2 h 53 min
